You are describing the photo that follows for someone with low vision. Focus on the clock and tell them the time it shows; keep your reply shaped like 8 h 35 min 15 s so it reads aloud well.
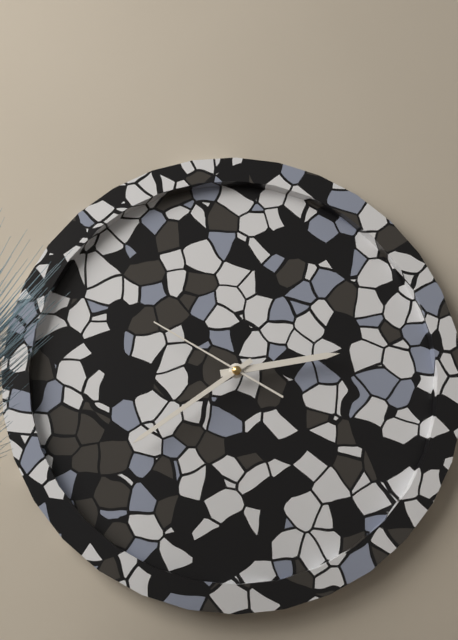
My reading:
2 h 39 min 50 s
